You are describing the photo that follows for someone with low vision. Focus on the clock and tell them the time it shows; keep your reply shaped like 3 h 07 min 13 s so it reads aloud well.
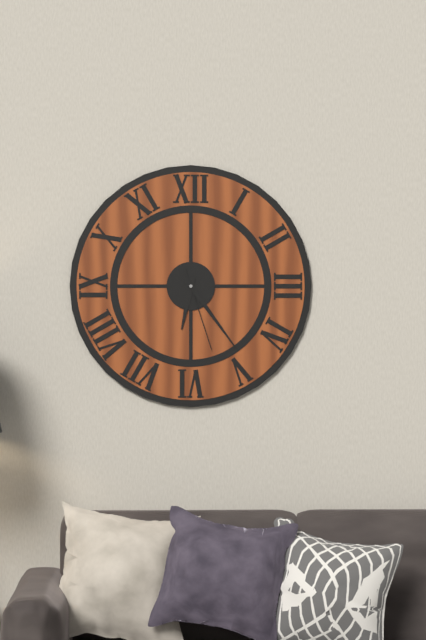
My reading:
6 h 24 min 27 s
